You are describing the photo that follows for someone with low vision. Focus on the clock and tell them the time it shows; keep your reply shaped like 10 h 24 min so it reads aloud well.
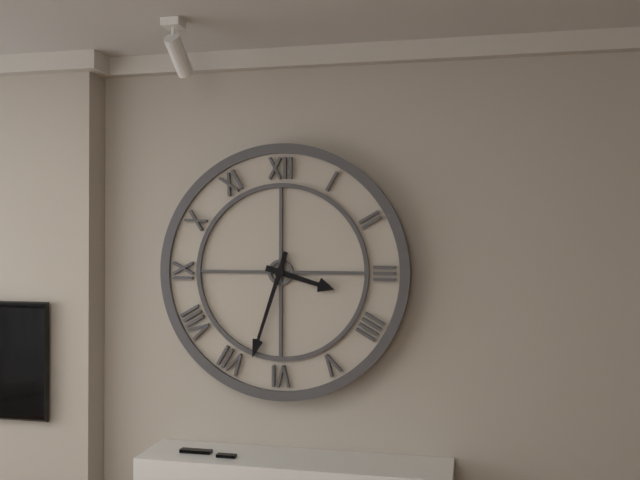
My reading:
3 h 33 min
